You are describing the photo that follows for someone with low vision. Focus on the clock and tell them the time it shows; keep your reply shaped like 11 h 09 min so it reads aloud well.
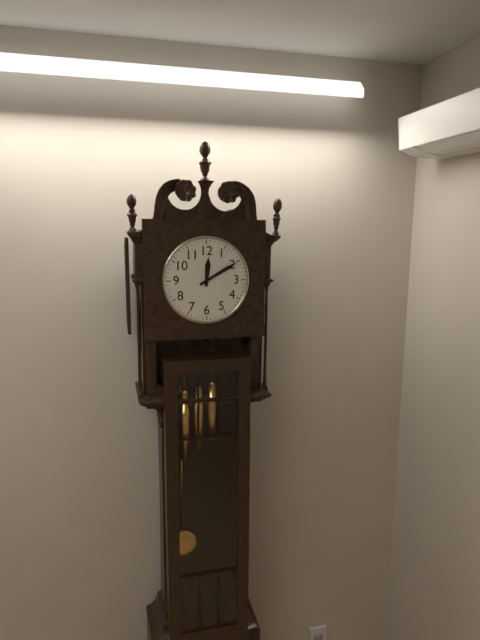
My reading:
12 h 10 min
